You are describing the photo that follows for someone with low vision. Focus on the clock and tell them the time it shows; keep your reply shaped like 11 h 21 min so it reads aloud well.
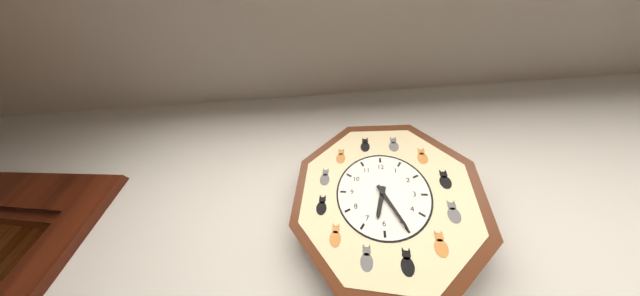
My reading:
6 h 25 min
